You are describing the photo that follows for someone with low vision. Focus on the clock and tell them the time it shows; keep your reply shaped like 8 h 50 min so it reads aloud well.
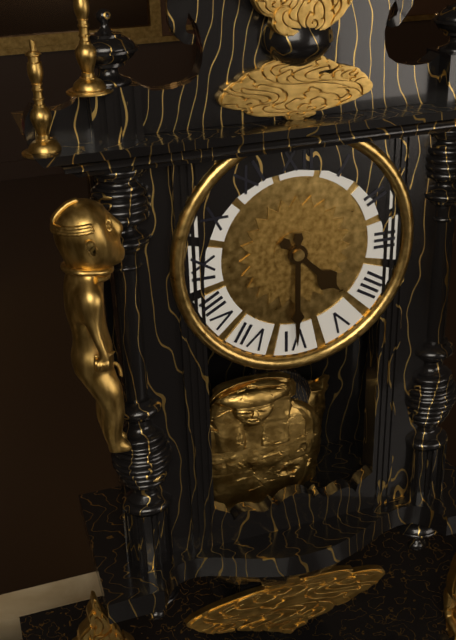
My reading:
4 h 30 min
